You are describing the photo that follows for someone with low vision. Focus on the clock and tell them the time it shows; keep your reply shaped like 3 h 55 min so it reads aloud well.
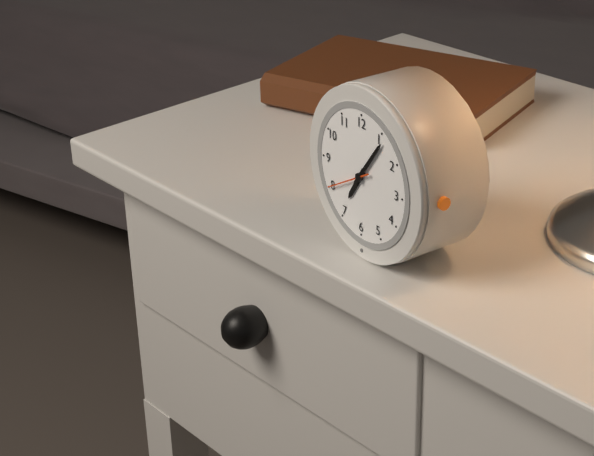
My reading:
7 h 06 min
